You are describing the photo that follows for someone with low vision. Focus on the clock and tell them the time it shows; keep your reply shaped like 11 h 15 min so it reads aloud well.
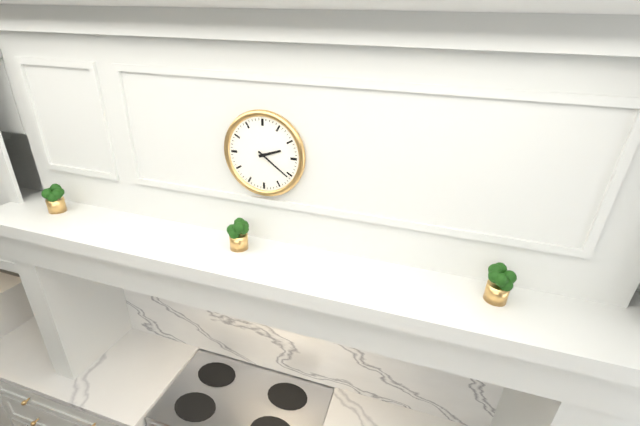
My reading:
2 h 21 min
